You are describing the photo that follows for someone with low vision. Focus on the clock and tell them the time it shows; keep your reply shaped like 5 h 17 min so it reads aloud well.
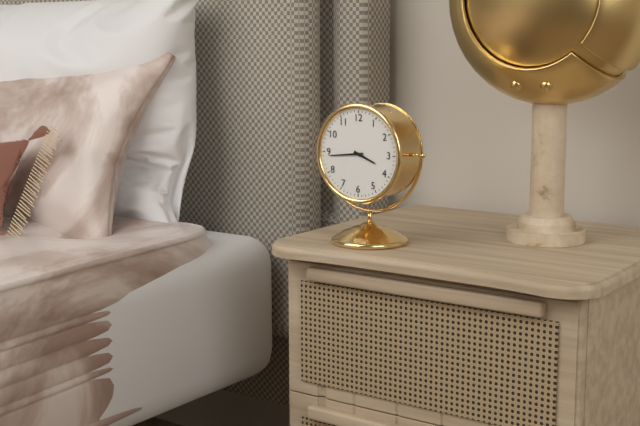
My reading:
3 h 44 min
